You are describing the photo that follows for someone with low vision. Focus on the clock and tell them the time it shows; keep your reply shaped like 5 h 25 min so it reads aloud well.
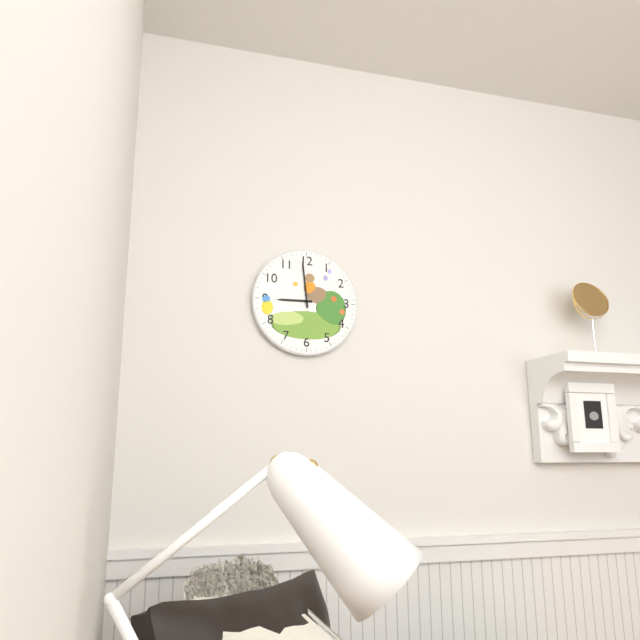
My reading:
8 h 59 min
